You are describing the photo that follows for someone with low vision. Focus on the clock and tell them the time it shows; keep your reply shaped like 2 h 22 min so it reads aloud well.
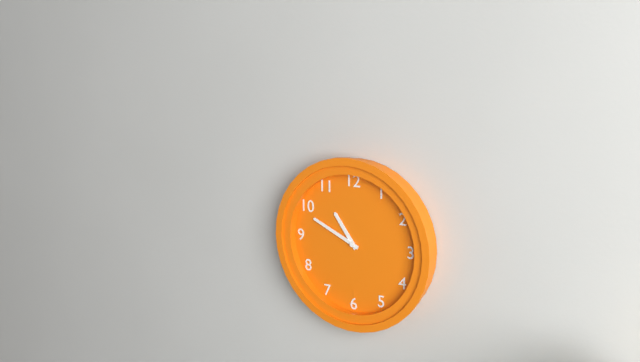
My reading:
10 h 49 min
